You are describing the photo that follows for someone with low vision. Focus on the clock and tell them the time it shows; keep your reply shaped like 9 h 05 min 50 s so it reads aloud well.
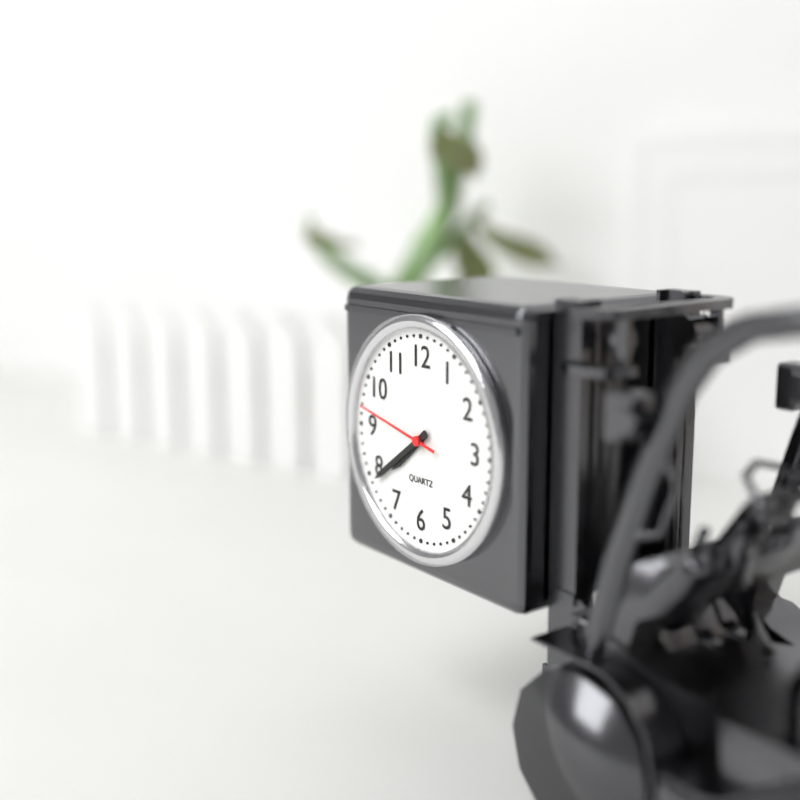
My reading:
7 h 39 min 47 s
